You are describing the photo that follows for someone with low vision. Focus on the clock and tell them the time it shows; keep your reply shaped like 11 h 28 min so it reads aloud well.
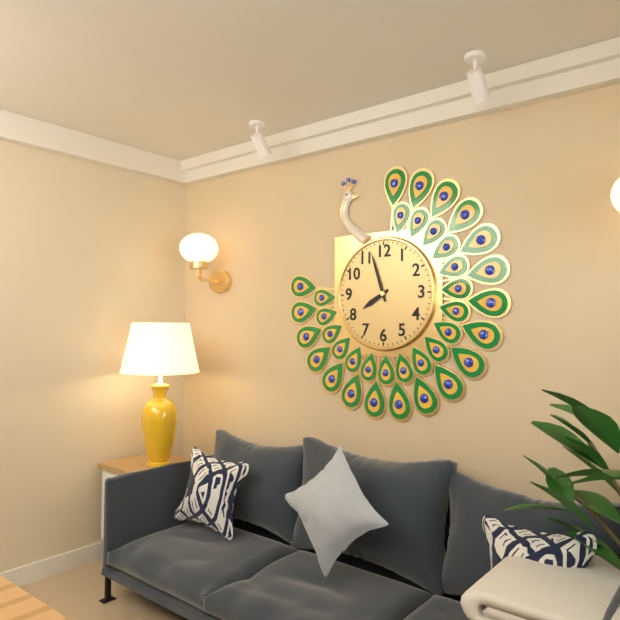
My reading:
7 h 57 min
